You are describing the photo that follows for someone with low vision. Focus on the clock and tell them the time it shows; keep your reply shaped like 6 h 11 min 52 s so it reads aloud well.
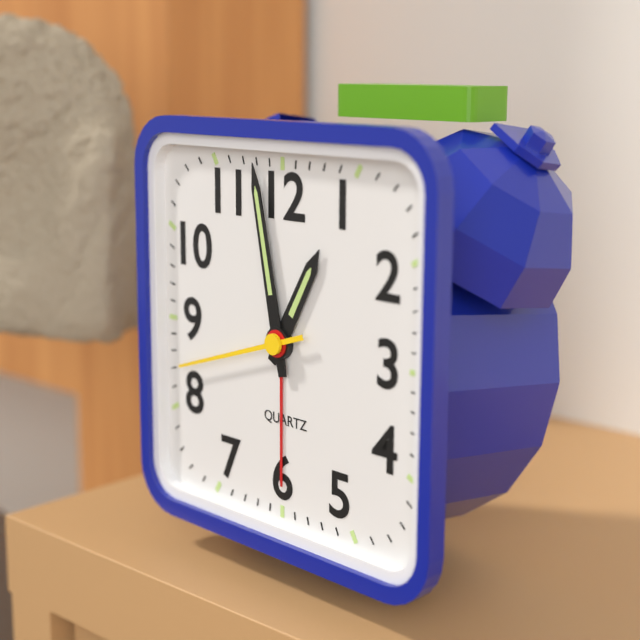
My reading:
12 h 58 min 42 s
